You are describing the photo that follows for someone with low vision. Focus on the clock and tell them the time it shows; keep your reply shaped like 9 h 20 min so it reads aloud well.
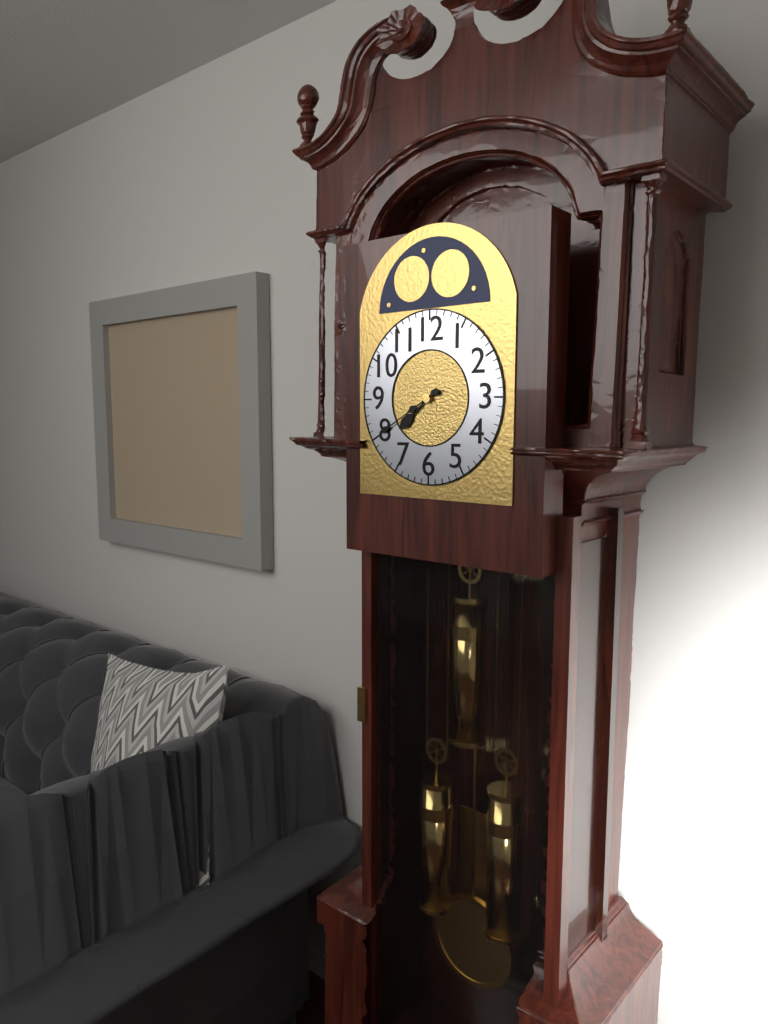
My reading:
7 h 40 min
